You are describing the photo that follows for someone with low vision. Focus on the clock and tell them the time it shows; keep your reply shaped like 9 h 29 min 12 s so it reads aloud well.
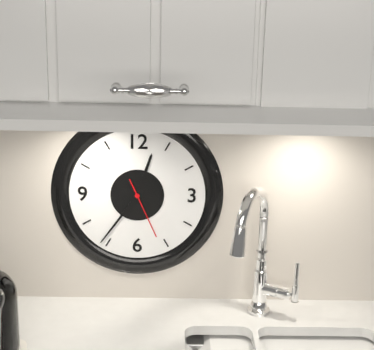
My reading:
12 h 36 min 26 s
